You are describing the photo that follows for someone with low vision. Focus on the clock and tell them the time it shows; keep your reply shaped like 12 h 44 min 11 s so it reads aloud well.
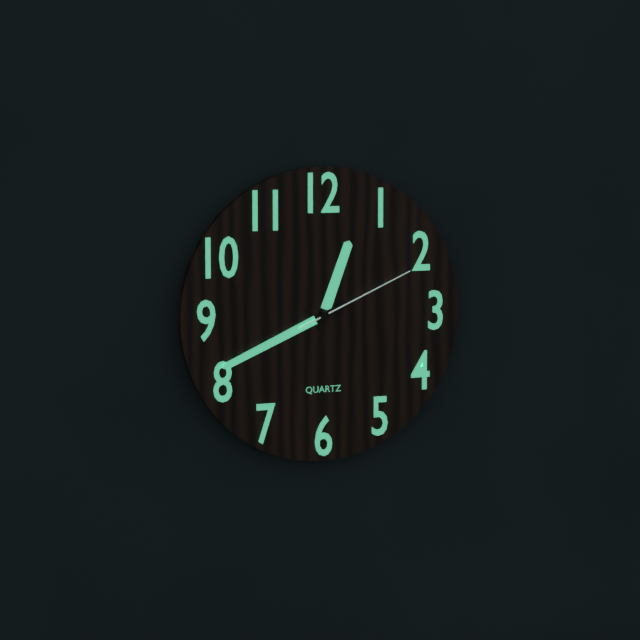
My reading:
12 h 41 min 11 s
